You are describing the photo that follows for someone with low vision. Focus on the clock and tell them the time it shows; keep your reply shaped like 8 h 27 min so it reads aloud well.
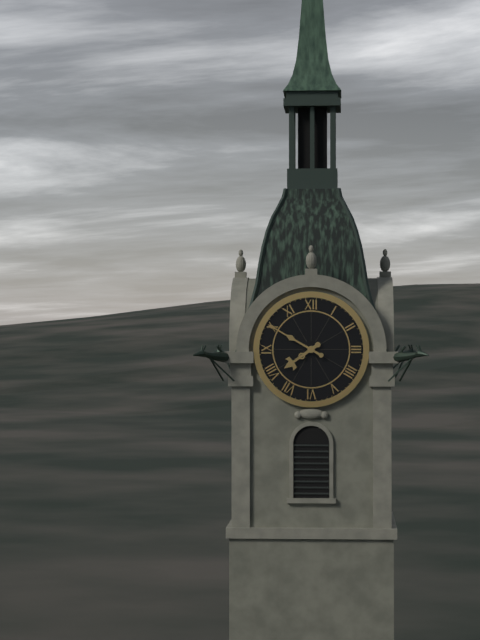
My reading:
7 h 50 min
